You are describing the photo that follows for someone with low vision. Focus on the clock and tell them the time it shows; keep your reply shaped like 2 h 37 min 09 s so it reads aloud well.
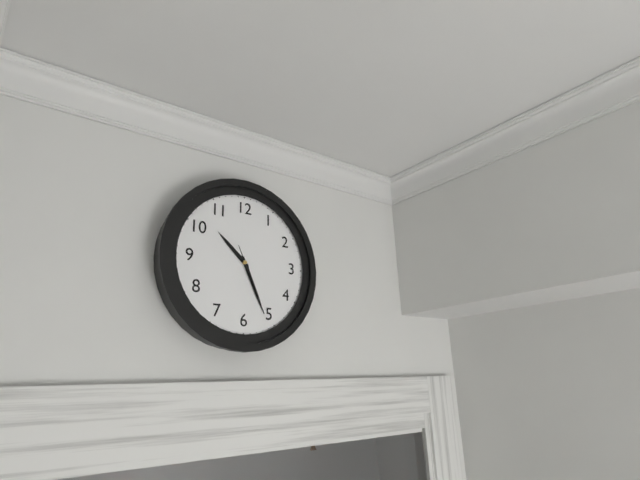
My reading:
10 h 26 min 26 s
